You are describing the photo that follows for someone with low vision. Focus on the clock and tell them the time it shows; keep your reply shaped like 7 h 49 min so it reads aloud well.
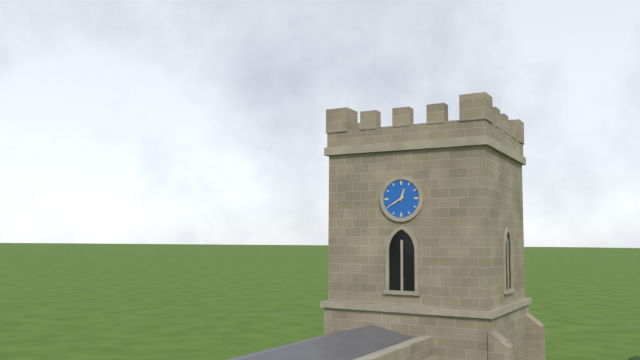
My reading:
12 h 40 min
